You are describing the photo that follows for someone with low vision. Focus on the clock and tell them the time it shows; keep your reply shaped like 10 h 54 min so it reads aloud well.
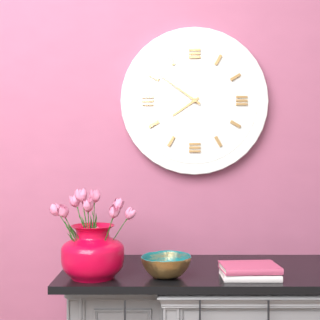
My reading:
7 h 51 min
